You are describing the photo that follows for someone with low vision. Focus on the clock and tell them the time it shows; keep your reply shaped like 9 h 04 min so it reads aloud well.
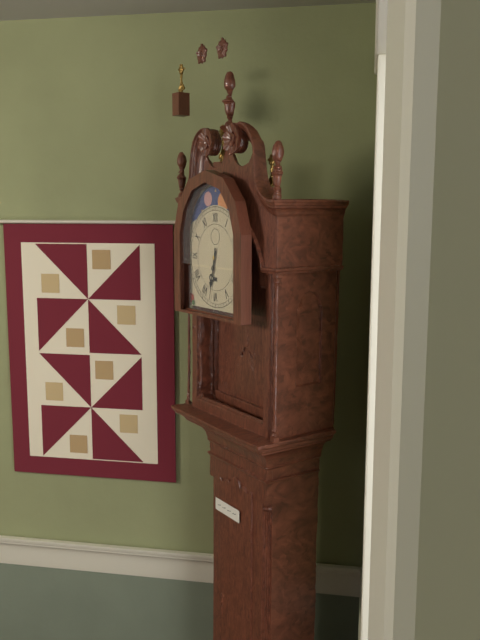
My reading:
6 h 32 min
